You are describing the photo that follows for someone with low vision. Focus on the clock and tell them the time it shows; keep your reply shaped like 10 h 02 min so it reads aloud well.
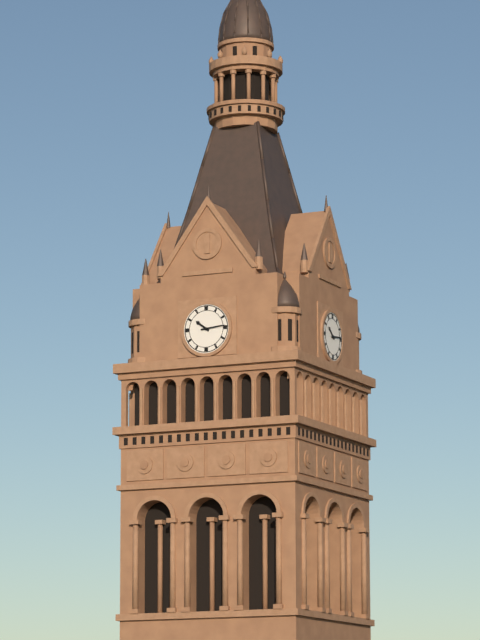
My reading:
10 h 14 min
